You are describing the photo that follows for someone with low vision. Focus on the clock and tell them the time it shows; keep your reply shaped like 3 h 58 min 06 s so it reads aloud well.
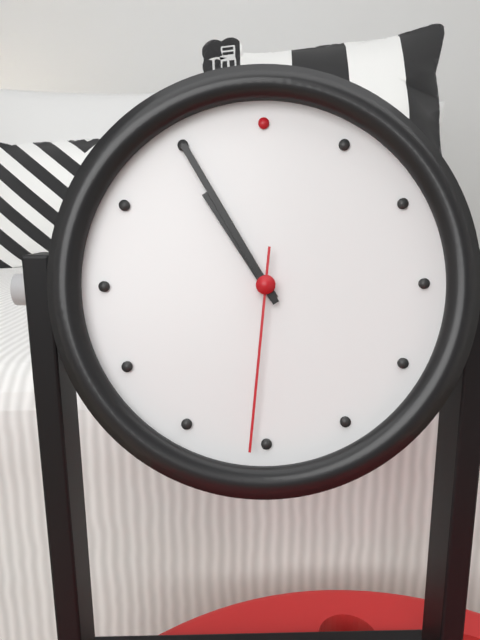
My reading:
10 h 55 min 31 s
